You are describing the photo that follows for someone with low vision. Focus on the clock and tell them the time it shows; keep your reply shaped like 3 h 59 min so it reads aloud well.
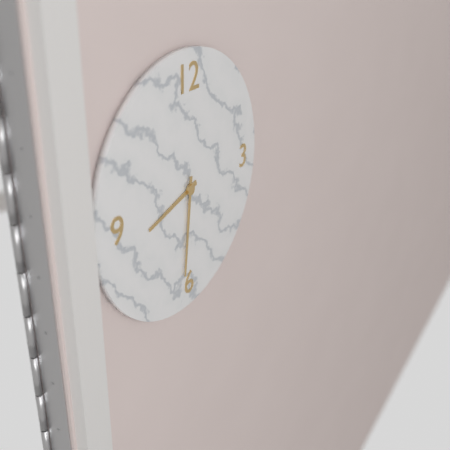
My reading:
8 h 31 min
